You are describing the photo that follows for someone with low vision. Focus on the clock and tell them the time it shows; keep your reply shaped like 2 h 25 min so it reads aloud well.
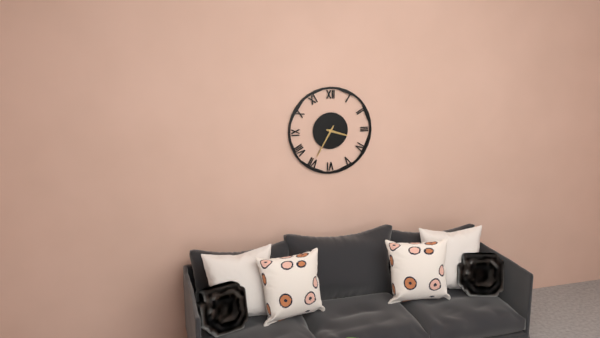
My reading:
3 h 35 min
